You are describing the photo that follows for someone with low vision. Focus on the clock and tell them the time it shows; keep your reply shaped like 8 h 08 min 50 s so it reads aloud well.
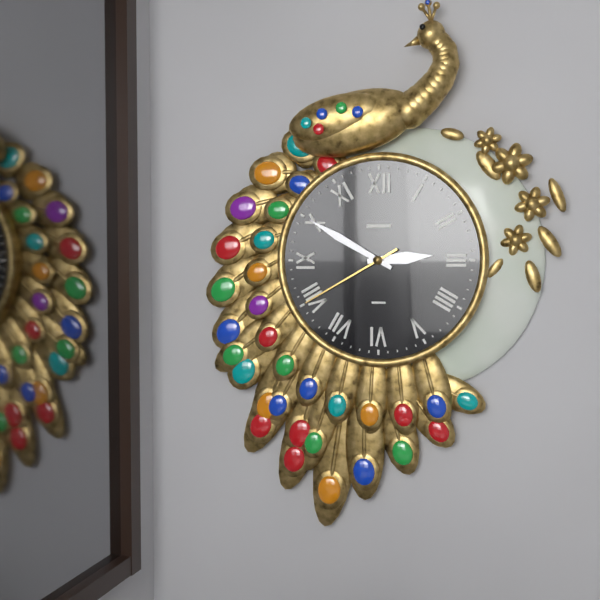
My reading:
2 h 50 min 40 s
